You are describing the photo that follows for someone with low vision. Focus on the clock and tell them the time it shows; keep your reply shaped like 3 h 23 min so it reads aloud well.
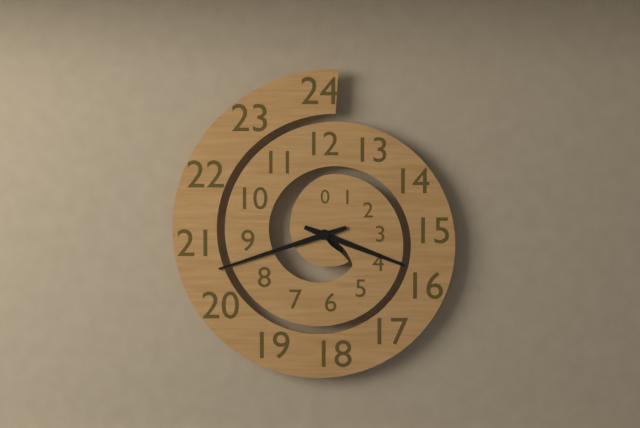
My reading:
3 h 42 min
